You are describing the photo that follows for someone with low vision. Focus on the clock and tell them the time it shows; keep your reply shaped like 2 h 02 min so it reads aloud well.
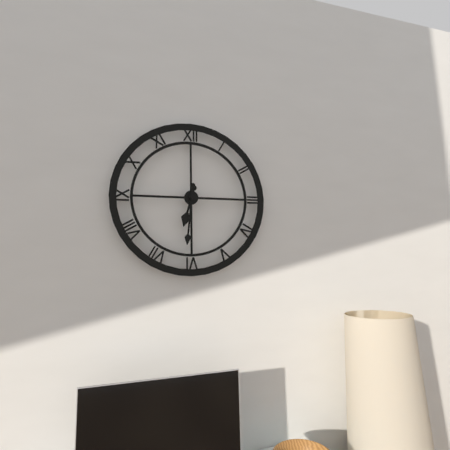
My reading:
6 h 31 min
